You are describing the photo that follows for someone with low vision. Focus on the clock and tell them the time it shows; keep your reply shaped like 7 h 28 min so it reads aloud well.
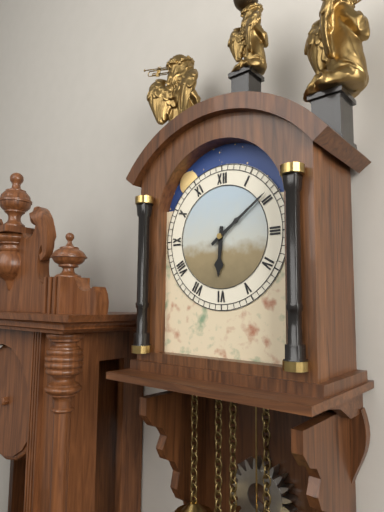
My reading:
6 h 09 min
